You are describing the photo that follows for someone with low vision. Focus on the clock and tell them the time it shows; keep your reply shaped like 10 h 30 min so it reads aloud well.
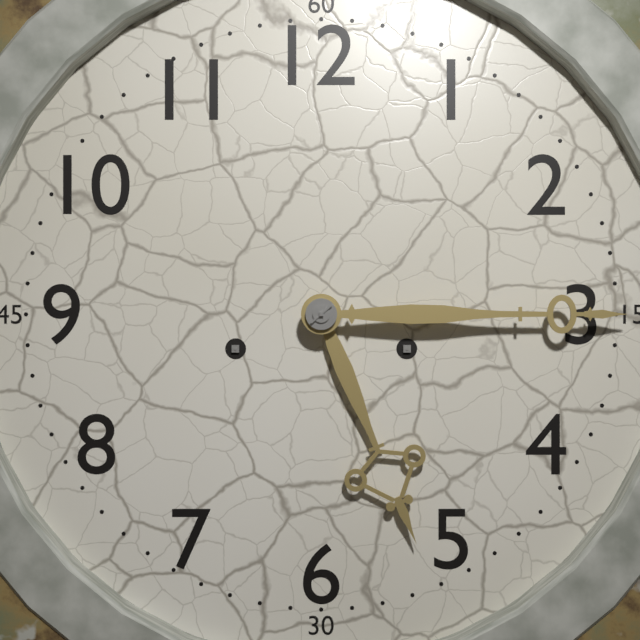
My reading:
5 h 15 min
